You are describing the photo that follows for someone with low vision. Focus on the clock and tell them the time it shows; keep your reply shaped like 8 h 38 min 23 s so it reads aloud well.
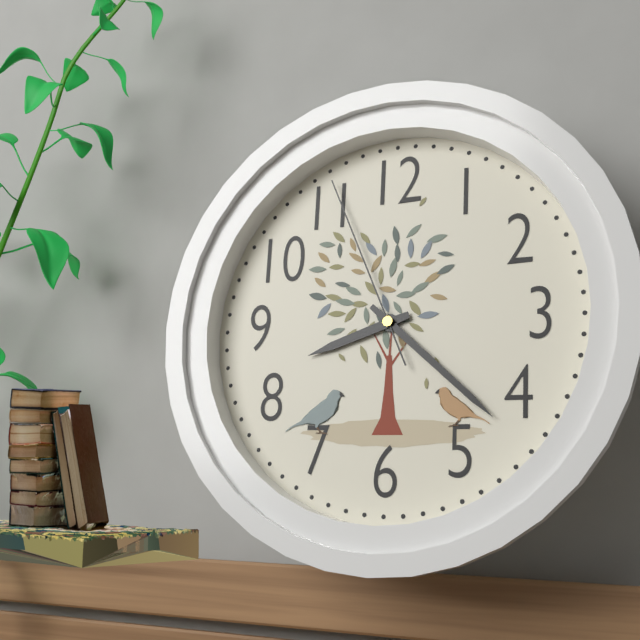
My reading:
8 h 22 min 56 s
